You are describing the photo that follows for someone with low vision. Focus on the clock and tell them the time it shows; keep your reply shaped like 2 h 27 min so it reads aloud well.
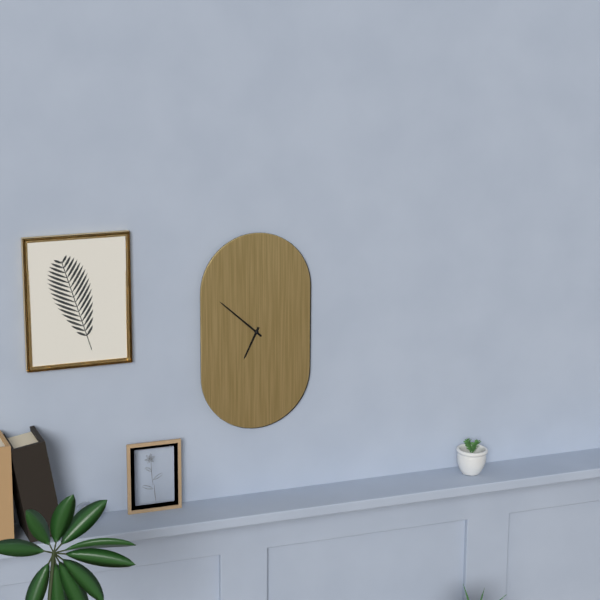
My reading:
6 h 52 min
